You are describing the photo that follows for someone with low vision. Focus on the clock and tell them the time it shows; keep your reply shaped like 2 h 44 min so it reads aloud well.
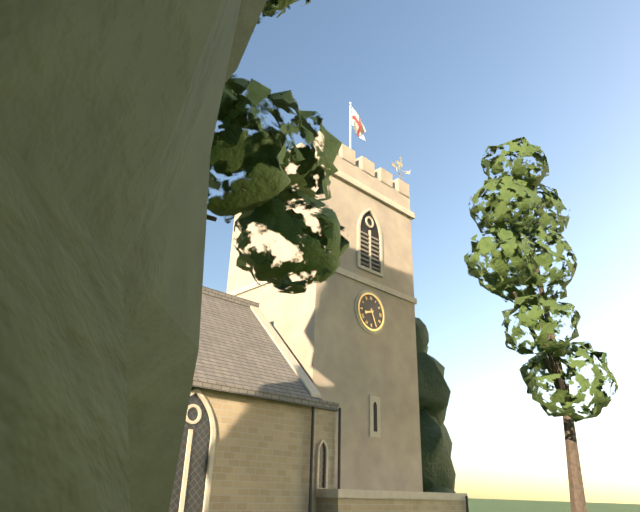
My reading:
8 h 26 min
